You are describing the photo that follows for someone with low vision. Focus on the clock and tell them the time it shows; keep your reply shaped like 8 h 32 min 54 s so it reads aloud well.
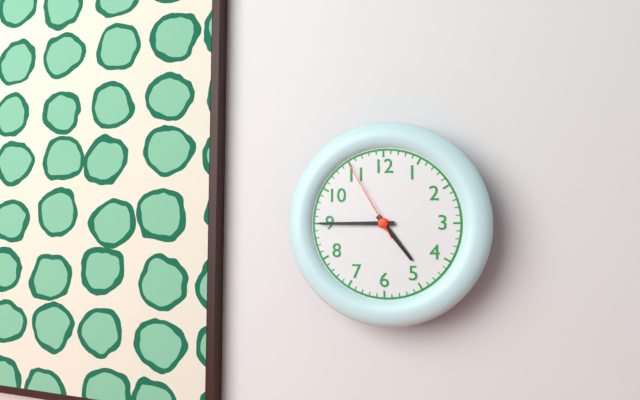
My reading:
4 h 45 min 55 s
